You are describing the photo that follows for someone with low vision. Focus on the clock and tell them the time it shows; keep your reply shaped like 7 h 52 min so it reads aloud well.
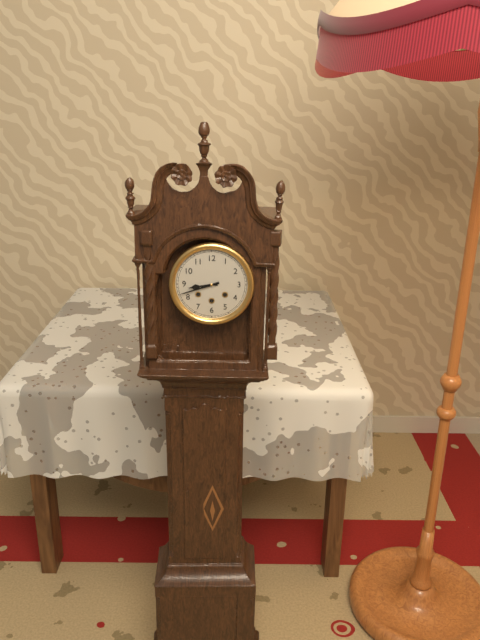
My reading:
8 h 42 min
